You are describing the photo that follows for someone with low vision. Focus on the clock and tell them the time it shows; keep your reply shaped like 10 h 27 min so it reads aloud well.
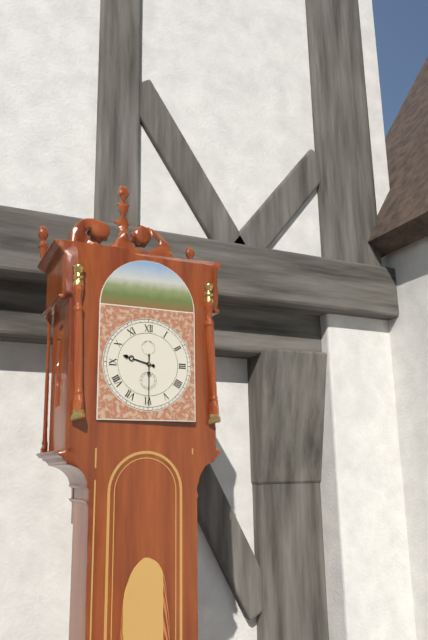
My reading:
9 h 30 min
